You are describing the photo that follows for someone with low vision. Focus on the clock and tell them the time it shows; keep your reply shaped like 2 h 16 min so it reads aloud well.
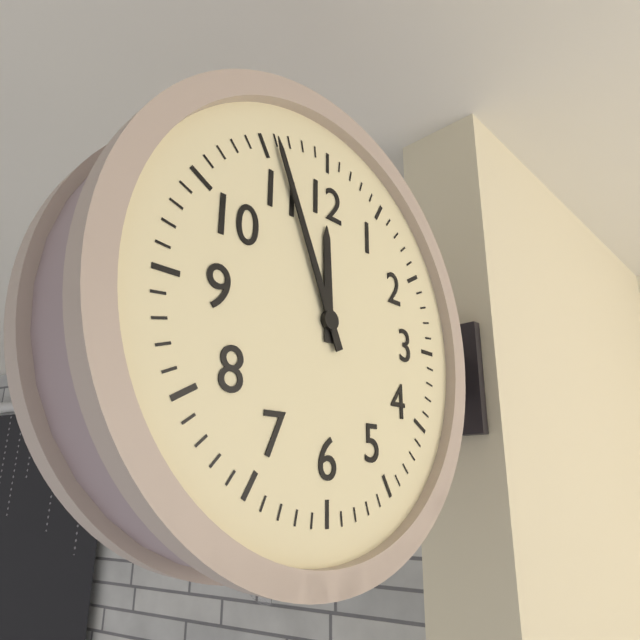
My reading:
11 h 56 min
